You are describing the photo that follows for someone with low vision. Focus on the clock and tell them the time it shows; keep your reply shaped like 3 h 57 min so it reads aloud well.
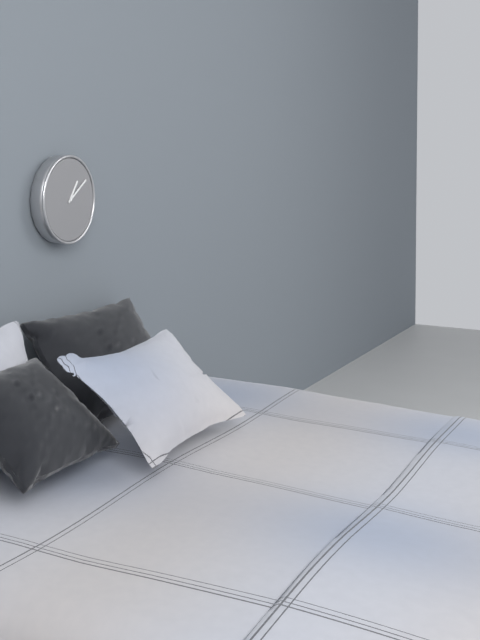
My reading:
1 h 09 min
